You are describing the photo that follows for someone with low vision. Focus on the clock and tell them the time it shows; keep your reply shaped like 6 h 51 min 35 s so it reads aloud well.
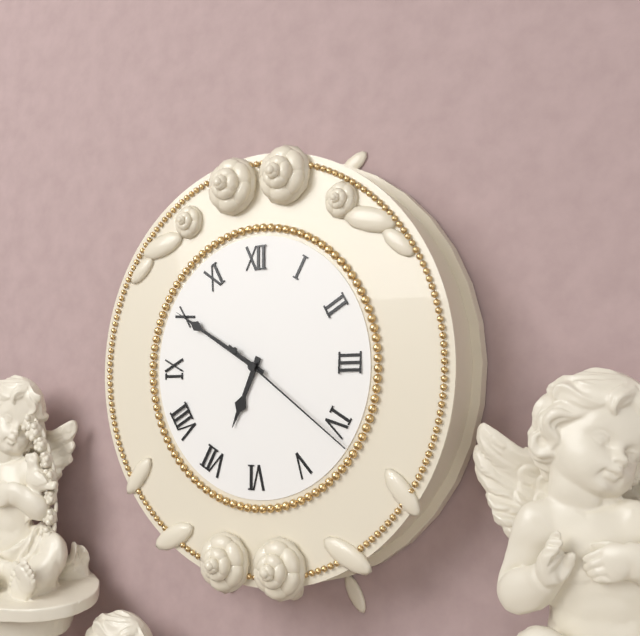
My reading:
6 h 50 min 21 s
